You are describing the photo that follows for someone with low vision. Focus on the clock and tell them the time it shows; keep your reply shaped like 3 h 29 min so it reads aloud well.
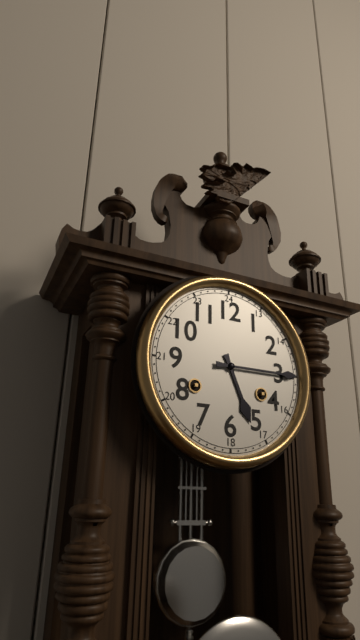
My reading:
5 h 15 min
